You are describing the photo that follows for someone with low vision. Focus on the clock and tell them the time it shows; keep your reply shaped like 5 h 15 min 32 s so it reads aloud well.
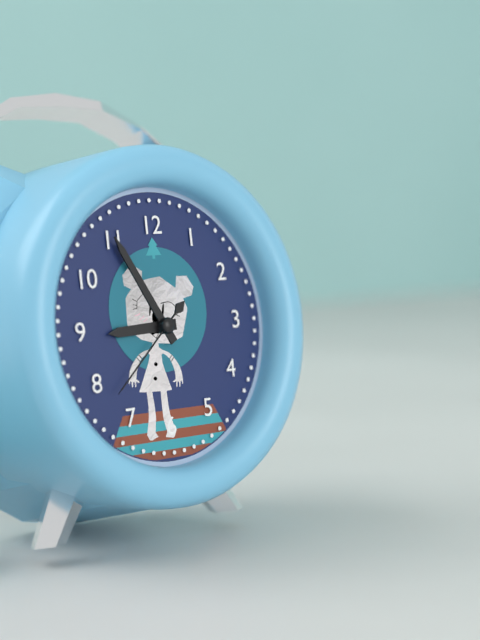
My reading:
8 h 55 min 38 s
